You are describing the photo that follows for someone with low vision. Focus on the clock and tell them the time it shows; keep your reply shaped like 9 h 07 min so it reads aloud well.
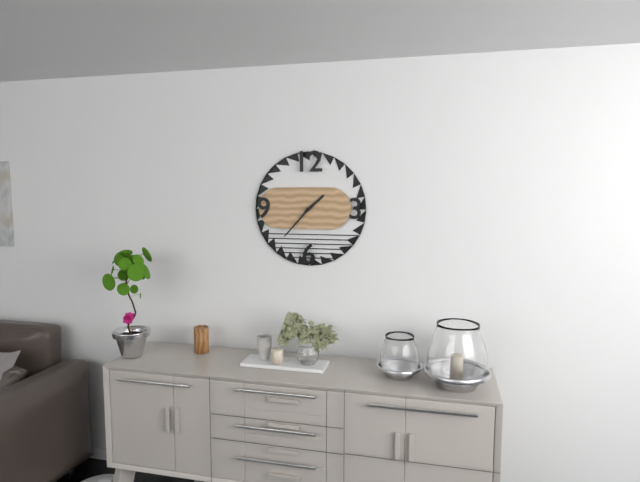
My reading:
1 h 37 min
